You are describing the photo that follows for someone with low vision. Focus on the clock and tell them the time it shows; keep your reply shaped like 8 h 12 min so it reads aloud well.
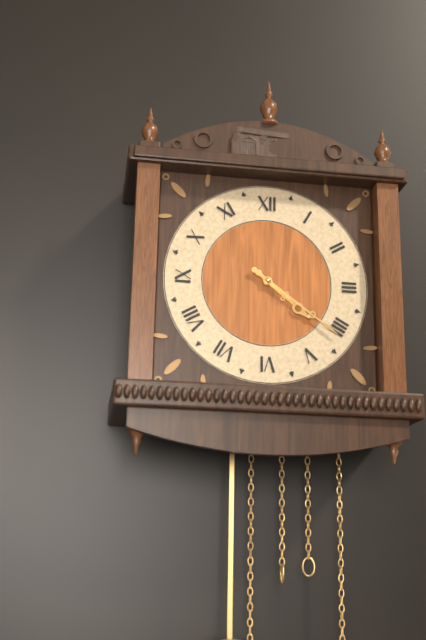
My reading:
4 h 21 min
